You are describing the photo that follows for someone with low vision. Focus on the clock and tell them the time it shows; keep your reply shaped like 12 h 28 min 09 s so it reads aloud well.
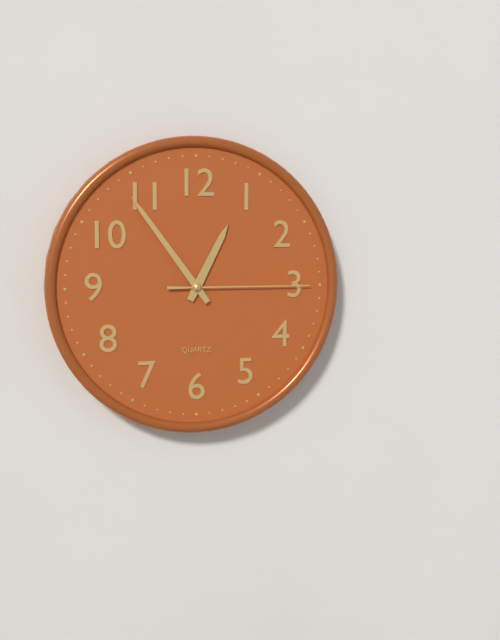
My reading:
12 h 54 min 15 s
